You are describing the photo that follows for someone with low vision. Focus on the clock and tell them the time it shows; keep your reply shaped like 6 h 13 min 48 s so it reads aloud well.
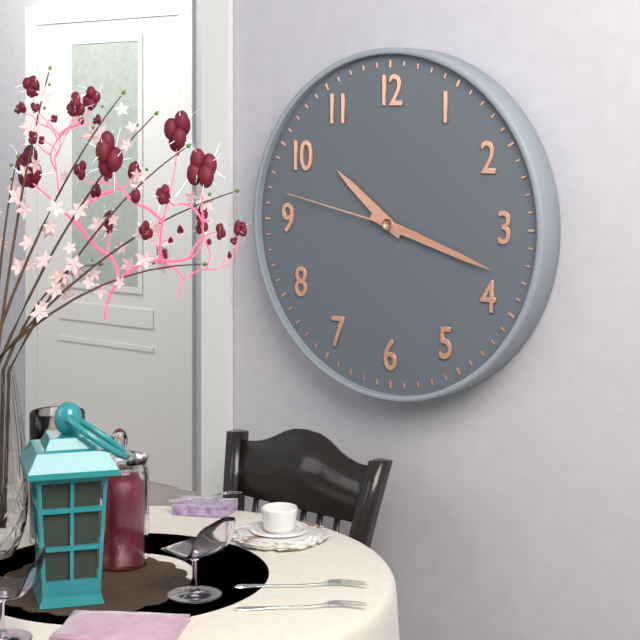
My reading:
10 h 18 min 47 s
